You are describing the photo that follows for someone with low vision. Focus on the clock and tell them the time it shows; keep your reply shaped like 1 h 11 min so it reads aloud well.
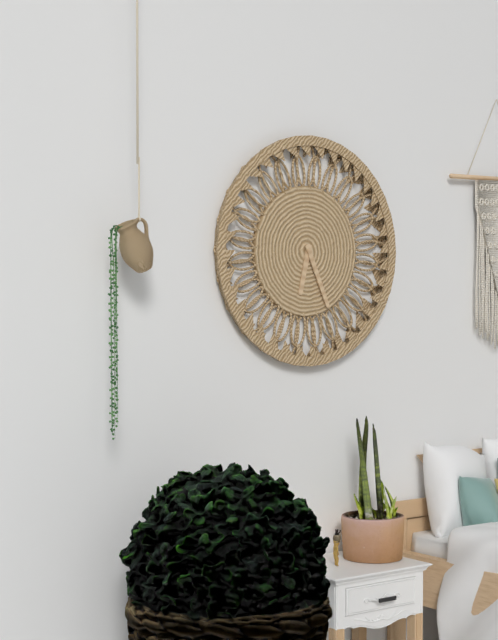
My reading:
6 h 26 min
